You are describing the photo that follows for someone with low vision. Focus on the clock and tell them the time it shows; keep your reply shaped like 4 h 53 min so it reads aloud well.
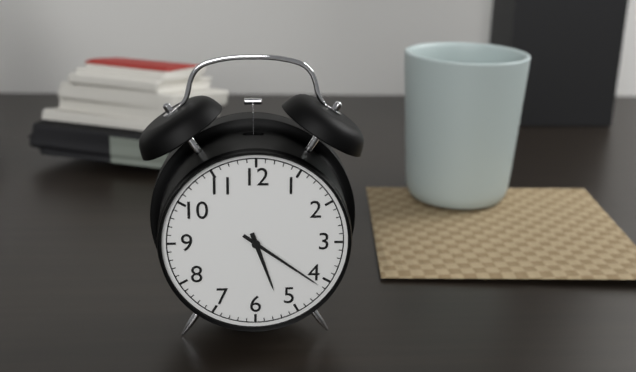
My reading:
5 h 21 min
